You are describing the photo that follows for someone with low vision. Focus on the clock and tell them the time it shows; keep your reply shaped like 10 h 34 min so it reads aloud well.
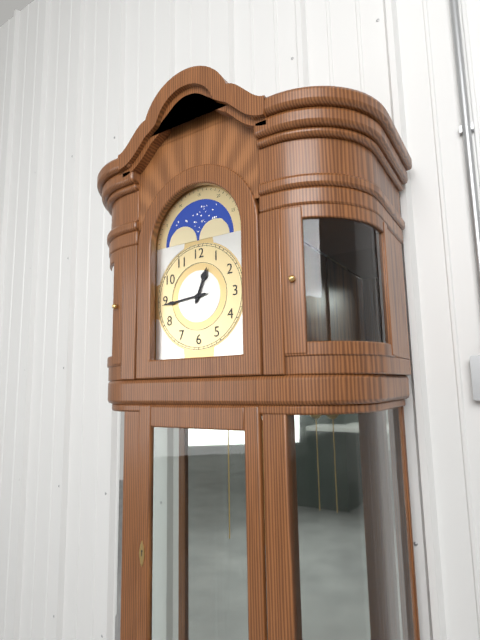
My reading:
12 h 44 min
